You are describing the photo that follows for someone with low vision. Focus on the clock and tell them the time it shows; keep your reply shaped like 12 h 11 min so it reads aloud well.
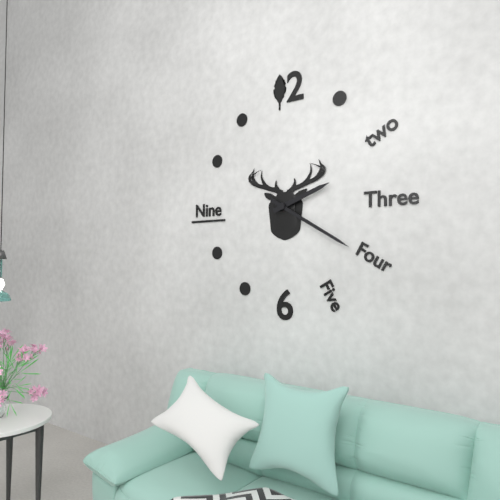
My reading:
2 h 20 min
